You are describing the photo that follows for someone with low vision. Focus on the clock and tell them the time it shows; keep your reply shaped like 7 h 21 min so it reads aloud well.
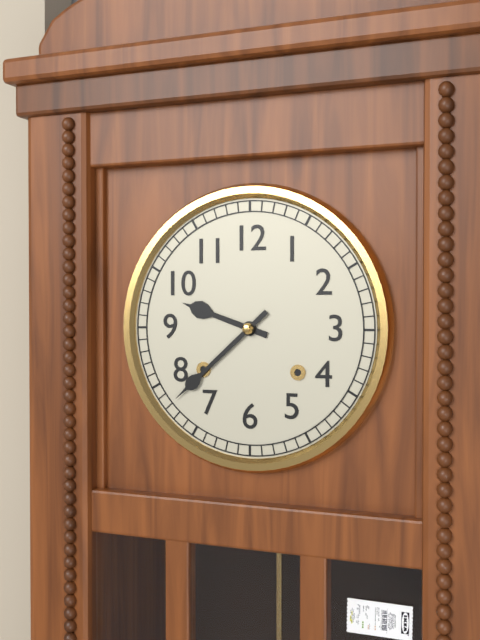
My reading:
9 h 38 min
